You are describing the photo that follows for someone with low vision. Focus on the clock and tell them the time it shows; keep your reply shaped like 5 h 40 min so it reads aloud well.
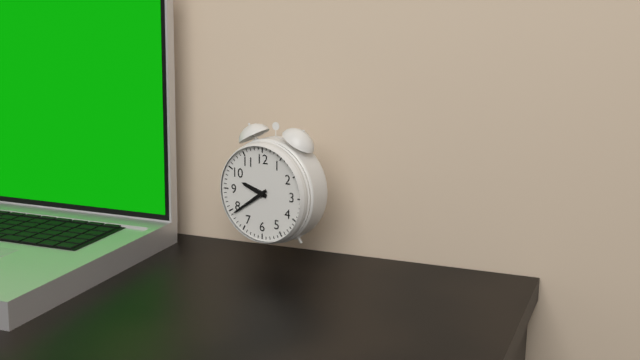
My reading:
9 h 39 min
